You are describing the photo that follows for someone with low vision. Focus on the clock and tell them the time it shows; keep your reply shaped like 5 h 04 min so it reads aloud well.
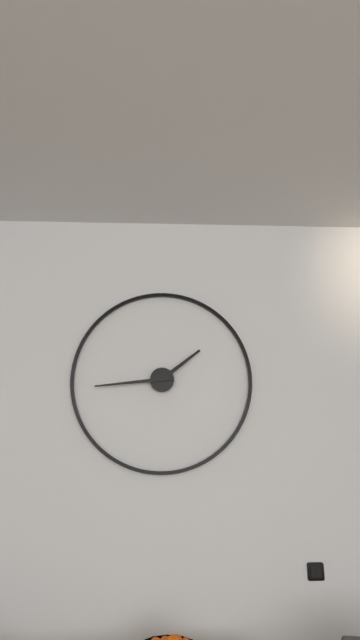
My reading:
1 h 44 min
